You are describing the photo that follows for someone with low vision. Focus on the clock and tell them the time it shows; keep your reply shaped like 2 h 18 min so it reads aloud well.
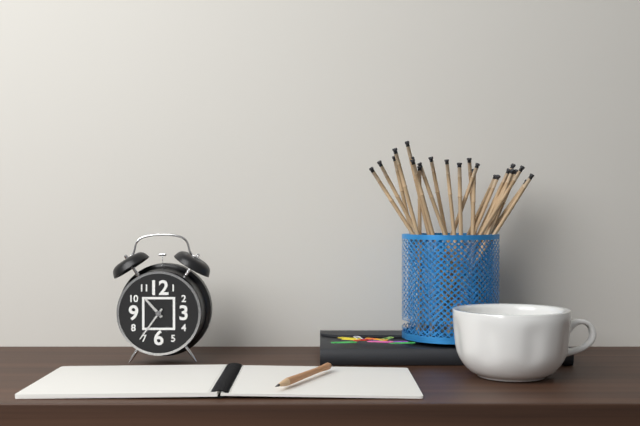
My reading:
10 h 36 min
